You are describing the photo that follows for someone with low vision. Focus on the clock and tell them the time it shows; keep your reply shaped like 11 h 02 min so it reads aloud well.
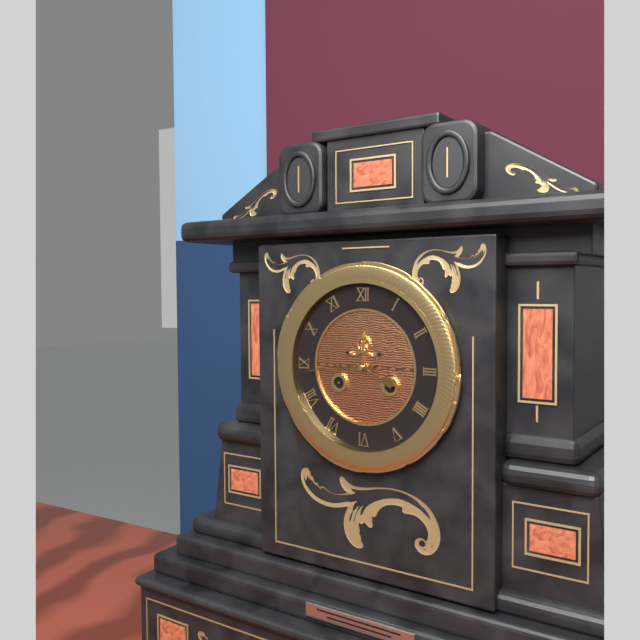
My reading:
3 h 44 min
